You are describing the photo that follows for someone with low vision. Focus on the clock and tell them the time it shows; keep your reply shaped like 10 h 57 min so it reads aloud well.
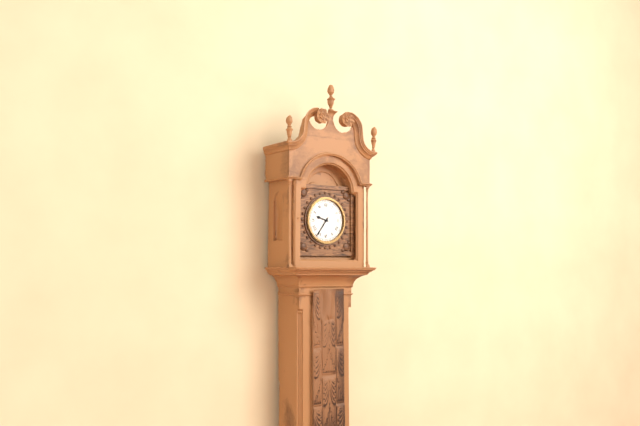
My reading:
9 h 36 min
